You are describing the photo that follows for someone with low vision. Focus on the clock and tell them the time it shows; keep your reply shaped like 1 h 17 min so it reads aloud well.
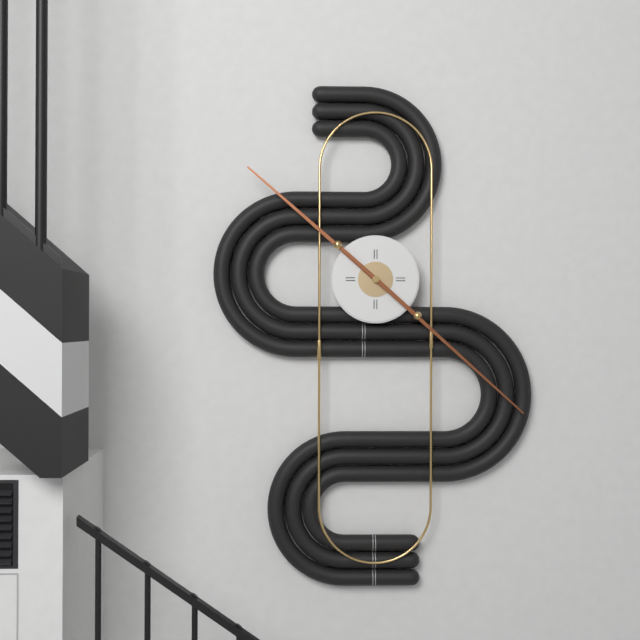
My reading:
10 h 22 min
